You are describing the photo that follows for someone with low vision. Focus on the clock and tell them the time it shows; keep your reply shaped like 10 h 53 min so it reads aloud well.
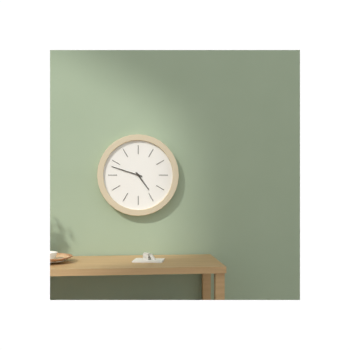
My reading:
4 h 48 min
